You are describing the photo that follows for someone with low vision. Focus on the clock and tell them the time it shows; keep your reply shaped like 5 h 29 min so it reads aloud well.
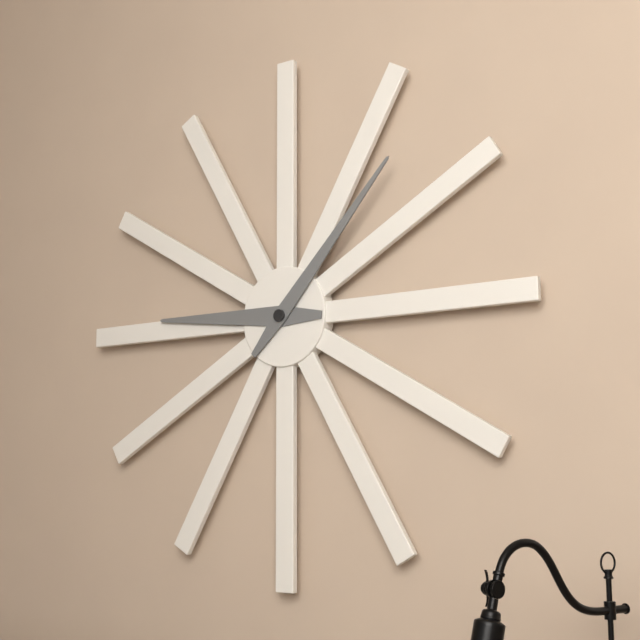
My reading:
9 h 07 min
